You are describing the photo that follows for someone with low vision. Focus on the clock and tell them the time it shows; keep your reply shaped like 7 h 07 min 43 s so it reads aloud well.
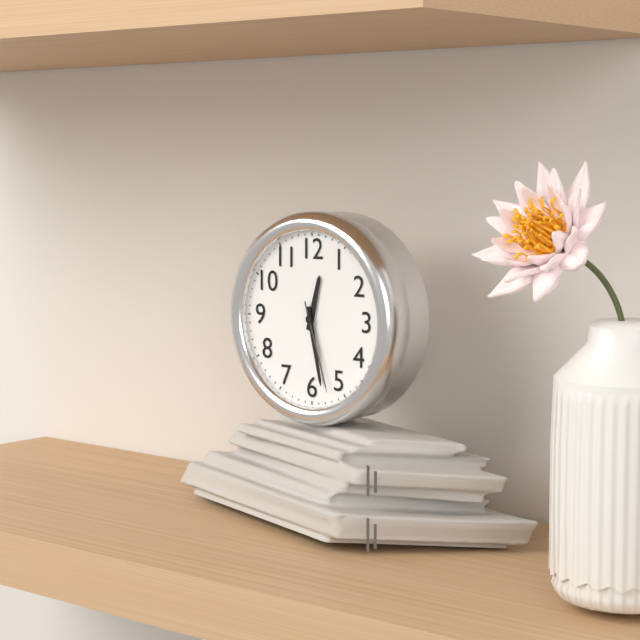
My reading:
12 h 28 min 27 s
